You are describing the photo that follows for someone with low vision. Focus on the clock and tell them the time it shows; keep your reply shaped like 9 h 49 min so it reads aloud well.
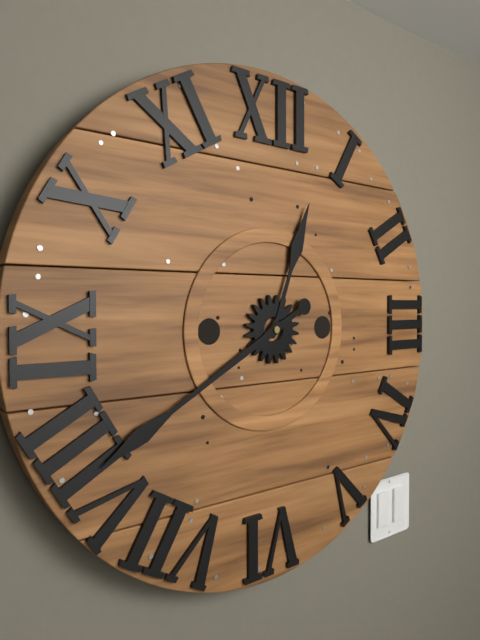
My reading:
12 h 40 min
